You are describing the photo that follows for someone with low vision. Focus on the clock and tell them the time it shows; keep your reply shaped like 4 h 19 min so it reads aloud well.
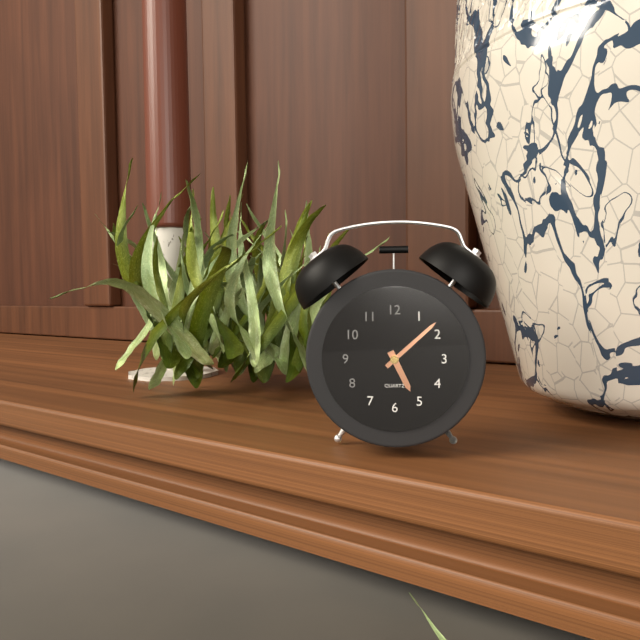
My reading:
5 h 08 min
